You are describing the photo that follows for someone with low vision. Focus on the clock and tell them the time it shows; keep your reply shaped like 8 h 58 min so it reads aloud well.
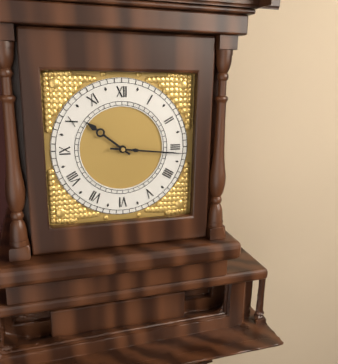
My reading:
10 h 16 min
